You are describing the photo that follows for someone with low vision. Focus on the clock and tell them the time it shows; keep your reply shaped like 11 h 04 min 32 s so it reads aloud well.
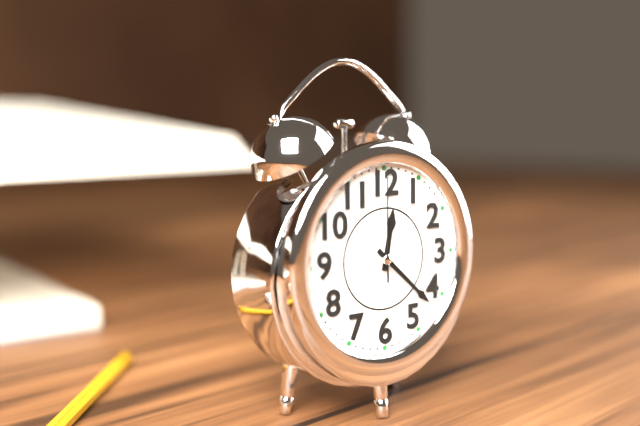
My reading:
12 h 22 min 00 s
